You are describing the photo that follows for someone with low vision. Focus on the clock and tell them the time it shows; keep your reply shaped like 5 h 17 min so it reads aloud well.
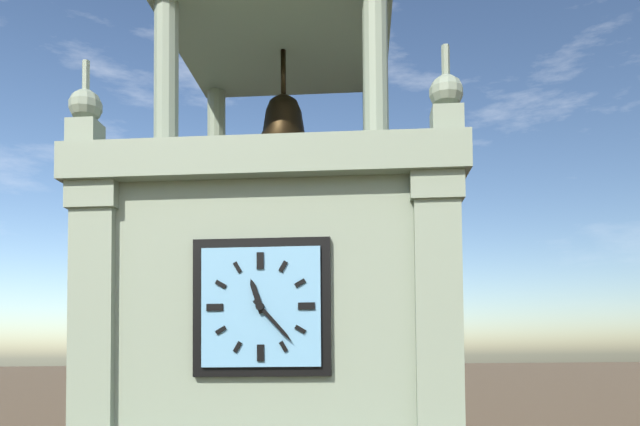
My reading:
11 h 23 min
